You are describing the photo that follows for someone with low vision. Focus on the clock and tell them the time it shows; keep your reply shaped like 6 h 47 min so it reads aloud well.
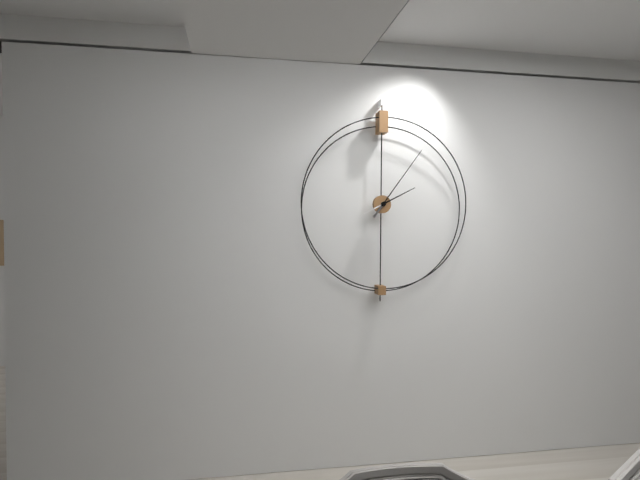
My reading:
2 h 06 min
